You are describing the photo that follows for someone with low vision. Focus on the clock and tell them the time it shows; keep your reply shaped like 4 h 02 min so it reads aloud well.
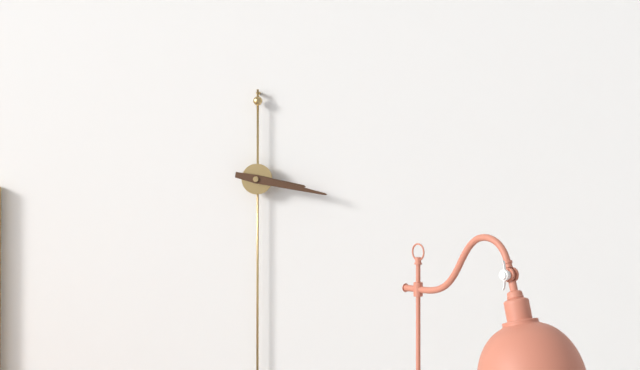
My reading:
3 h 17 min
